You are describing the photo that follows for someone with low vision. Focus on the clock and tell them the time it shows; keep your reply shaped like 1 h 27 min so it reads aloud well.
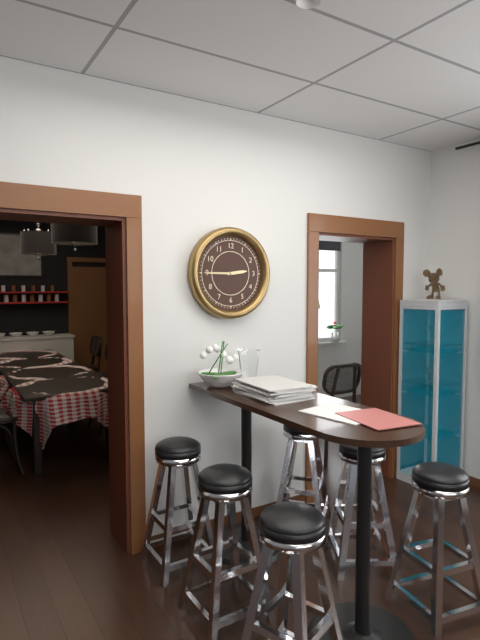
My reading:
2 h 45 min
